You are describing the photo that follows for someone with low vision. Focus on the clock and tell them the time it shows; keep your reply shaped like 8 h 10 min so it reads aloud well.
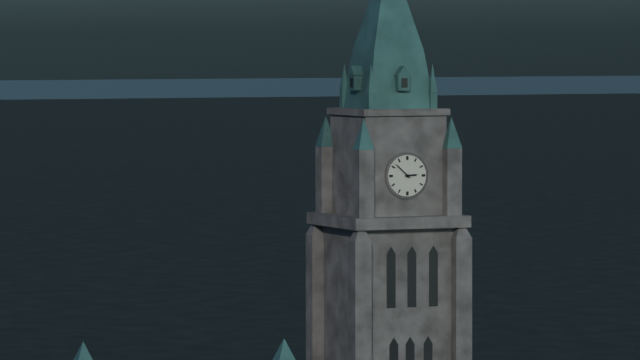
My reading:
2 h 52 min
